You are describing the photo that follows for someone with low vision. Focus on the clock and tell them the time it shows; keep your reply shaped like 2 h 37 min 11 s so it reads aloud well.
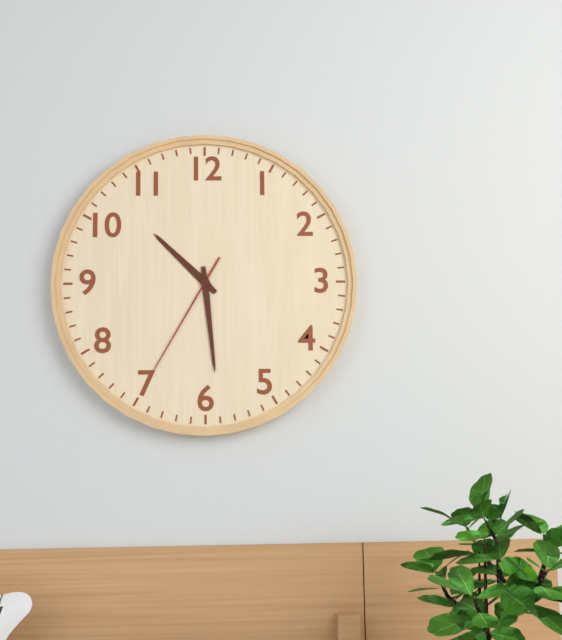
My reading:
10 h 29 min 35 s
